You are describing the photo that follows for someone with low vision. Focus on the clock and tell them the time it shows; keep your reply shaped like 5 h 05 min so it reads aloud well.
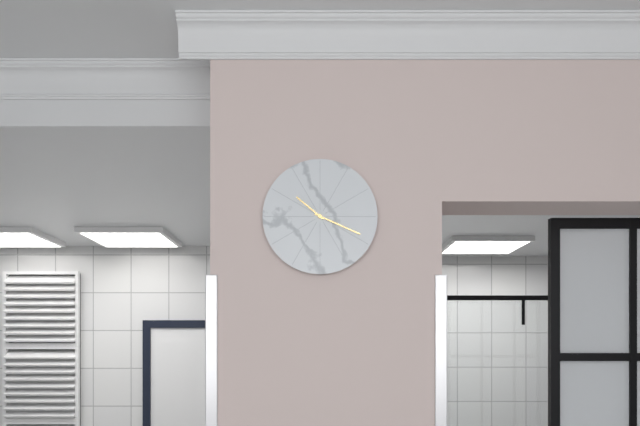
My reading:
10 h 19 min
